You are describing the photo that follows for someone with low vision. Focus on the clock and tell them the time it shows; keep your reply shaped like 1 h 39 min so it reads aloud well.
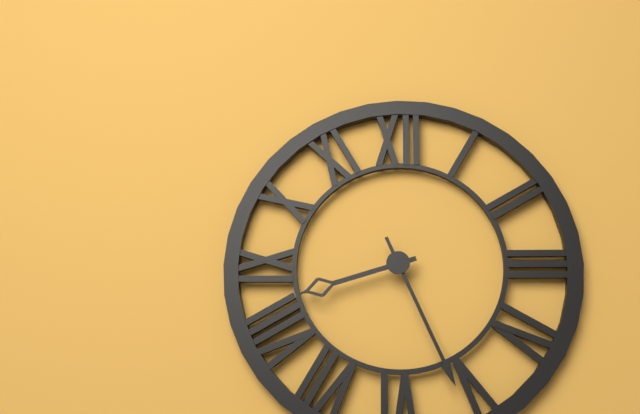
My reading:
8 h 26 min
